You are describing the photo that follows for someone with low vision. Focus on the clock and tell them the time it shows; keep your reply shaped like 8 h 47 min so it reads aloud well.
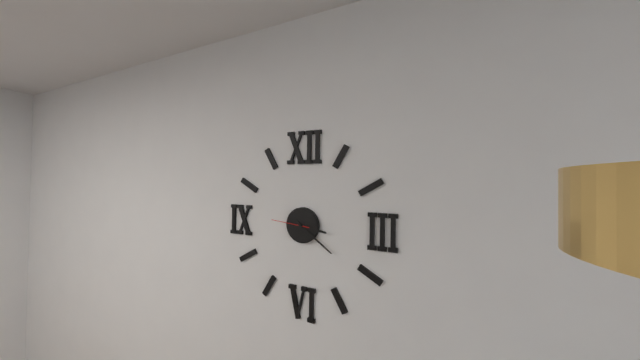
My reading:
3 h 21 min
